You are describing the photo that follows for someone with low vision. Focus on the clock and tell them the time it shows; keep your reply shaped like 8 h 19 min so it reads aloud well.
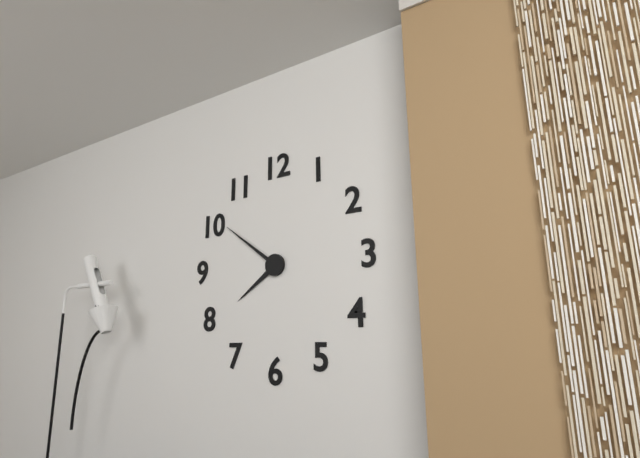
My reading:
7 h 51 min
